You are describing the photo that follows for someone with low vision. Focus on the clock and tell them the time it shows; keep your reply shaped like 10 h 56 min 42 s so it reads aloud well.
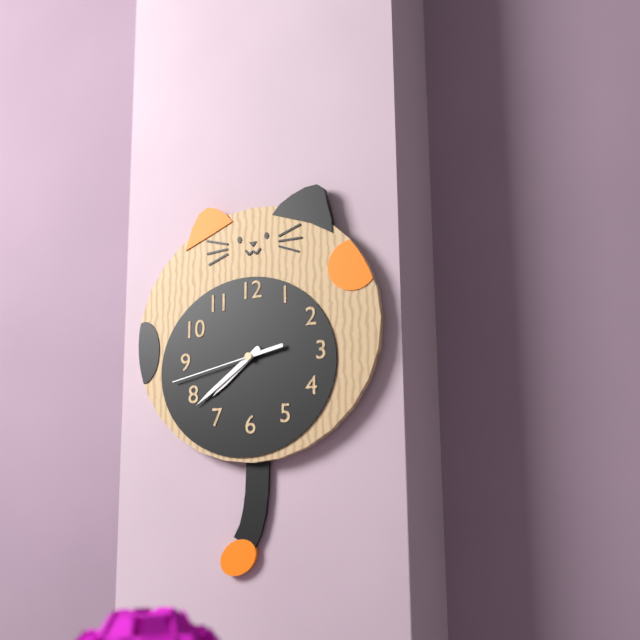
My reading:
7 h 39 min 43 s
